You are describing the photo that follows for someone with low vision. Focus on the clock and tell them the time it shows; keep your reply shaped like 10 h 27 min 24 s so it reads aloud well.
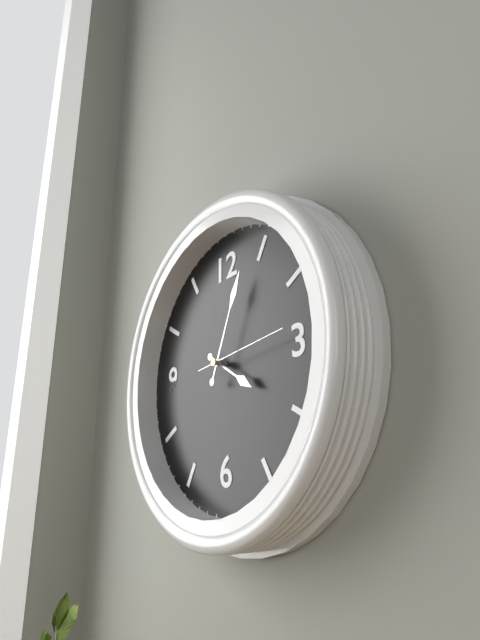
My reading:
4 h 04 min 14 s
